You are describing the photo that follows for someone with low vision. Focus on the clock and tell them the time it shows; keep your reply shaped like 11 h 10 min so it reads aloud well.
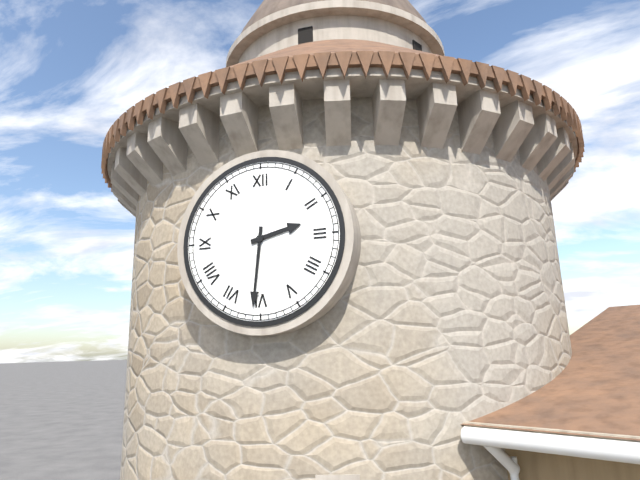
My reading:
2 h 31 min
